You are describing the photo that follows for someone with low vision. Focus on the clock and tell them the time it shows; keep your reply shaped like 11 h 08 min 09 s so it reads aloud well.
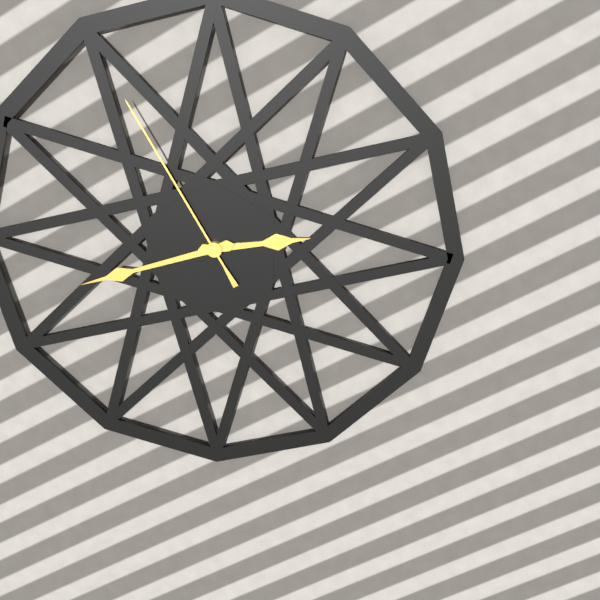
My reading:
2 h 42 min 55 s
